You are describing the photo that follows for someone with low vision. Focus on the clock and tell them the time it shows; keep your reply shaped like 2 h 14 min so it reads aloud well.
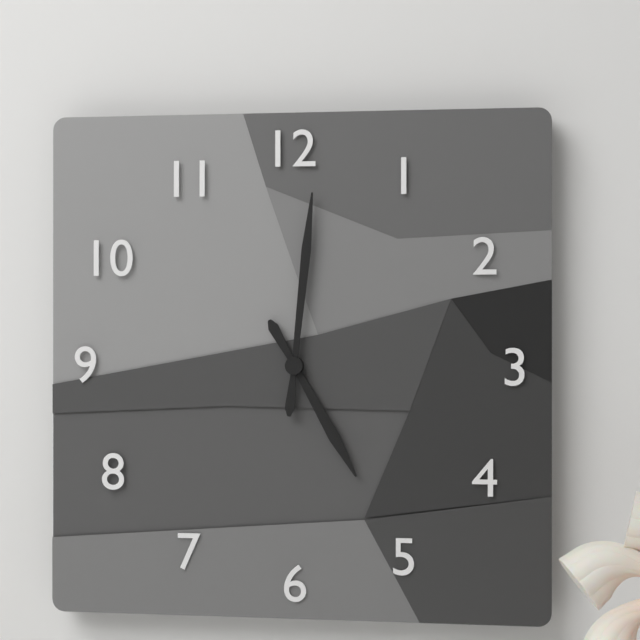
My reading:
5 h 01 min
